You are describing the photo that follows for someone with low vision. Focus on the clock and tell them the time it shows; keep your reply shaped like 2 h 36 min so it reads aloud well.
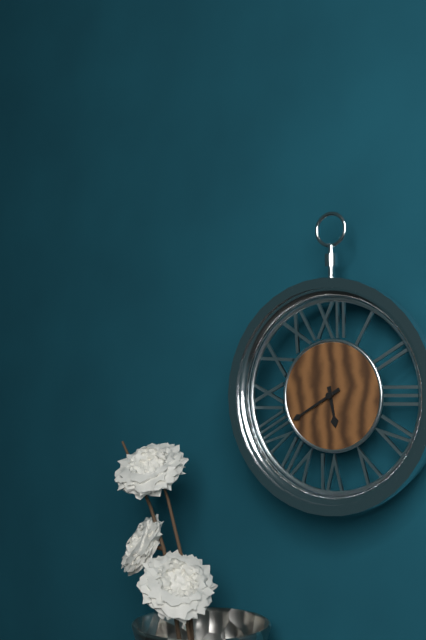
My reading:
5 h 40 min
